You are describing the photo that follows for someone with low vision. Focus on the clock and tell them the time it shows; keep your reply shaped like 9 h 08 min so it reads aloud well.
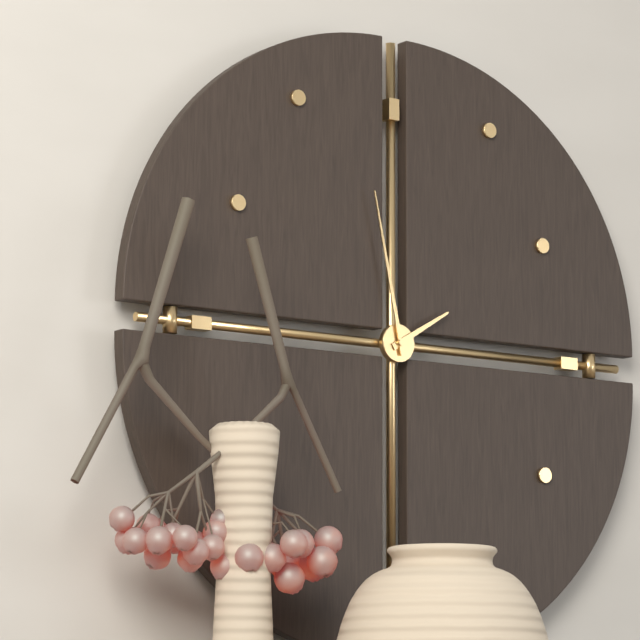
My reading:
1 h 58 min
